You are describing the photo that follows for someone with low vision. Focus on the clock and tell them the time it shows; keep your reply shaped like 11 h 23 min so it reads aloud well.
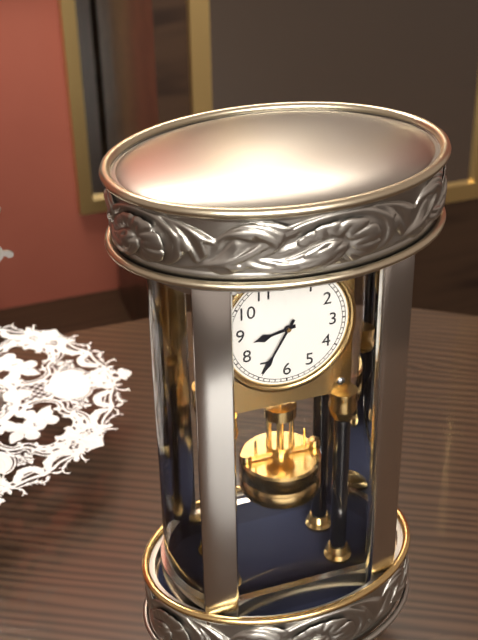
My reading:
8 h 35 min
